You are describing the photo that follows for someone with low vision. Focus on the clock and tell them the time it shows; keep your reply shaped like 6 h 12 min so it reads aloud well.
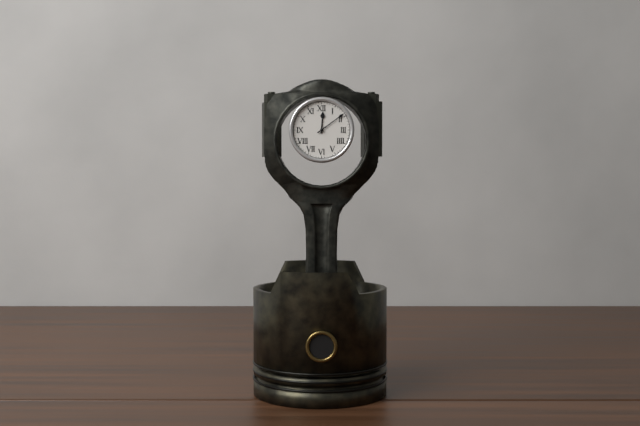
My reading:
12 h 09 min
